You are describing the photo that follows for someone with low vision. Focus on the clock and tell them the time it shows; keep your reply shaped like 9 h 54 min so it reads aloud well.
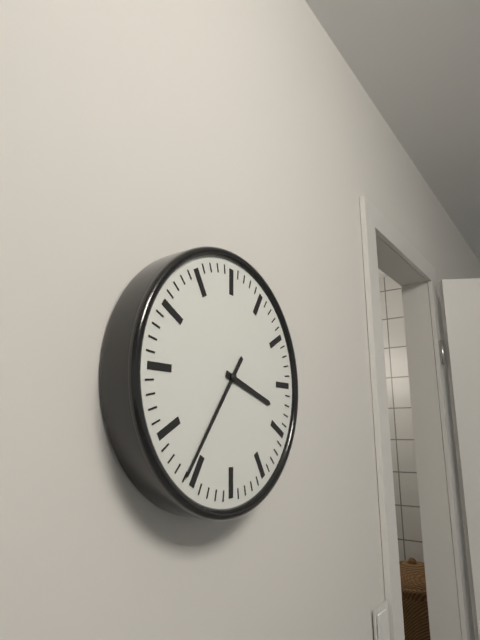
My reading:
3 h 36 min
